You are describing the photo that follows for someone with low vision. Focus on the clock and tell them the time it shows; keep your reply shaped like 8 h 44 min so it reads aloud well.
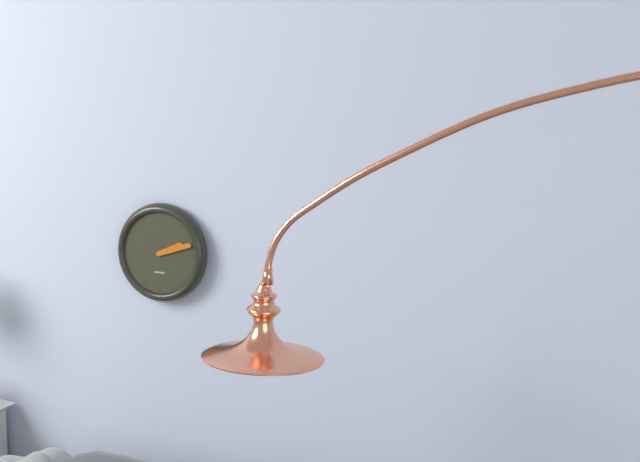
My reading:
2 h 12 min
